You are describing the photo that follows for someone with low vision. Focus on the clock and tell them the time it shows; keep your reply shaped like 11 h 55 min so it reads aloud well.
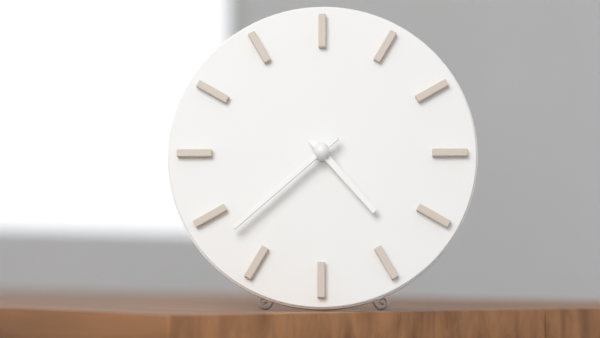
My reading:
4 h 38 min
